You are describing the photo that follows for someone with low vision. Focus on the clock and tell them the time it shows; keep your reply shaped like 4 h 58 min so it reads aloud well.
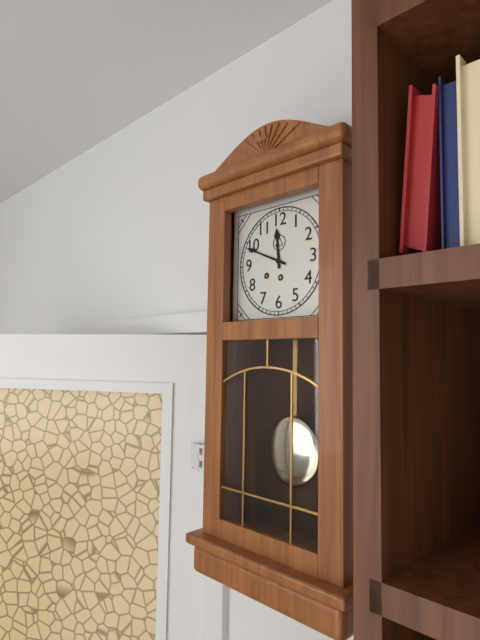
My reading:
11 h 49 min
